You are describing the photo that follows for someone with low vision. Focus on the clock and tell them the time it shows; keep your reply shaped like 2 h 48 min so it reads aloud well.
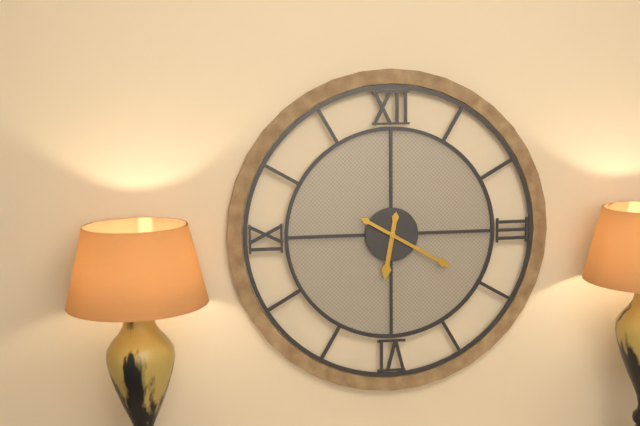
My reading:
6 h 20 min
